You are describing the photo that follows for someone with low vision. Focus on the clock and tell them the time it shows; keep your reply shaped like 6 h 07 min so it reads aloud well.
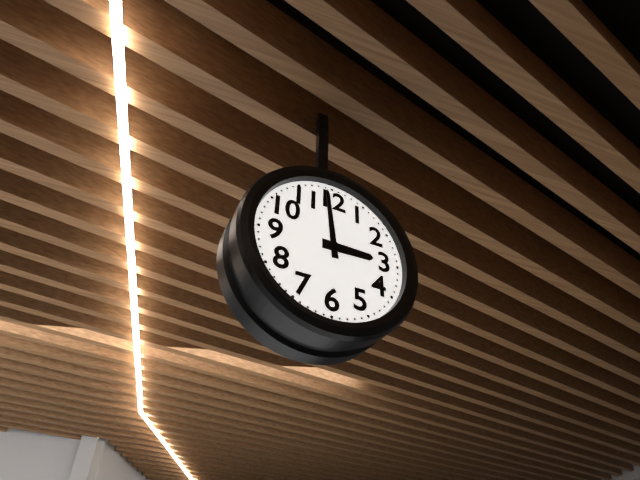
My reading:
2 h 59 min
